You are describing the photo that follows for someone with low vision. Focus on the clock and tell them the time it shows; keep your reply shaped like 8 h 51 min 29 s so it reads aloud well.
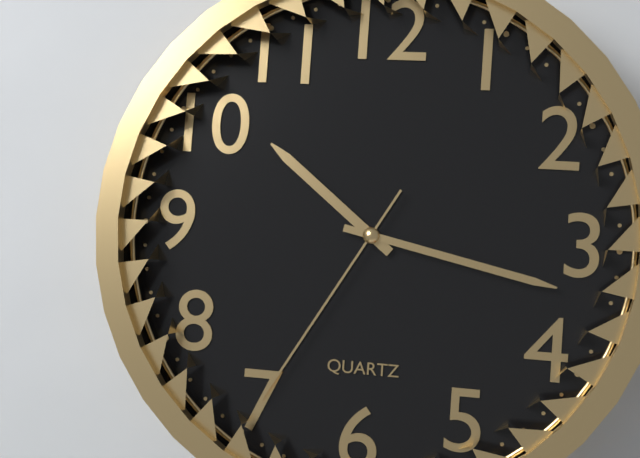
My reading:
10 h 17 min 35 s
